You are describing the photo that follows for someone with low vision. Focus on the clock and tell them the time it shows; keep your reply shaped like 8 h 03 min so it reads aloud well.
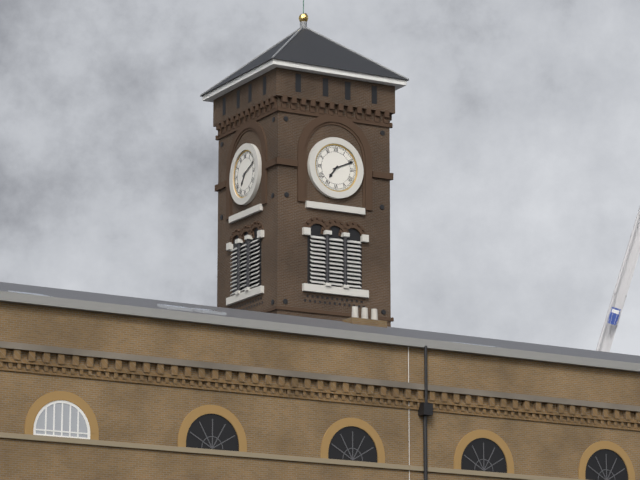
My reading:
7 h 11 min
